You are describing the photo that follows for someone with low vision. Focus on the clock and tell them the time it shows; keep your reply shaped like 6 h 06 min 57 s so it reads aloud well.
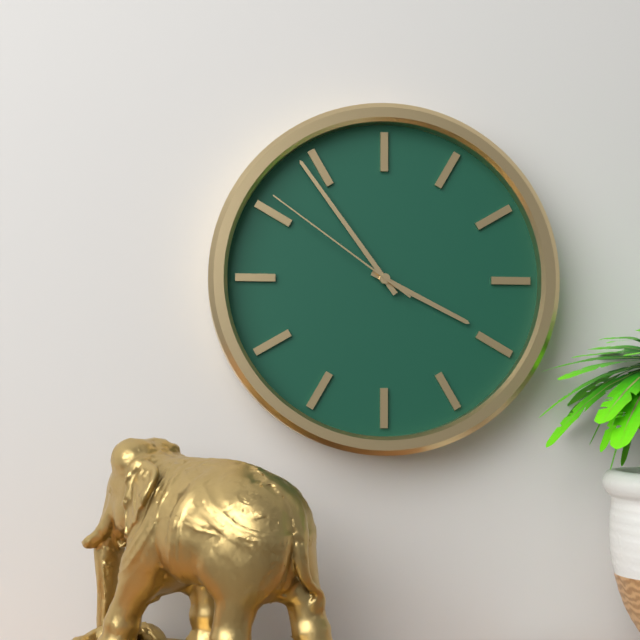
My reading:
3 h 54 min 51 s
